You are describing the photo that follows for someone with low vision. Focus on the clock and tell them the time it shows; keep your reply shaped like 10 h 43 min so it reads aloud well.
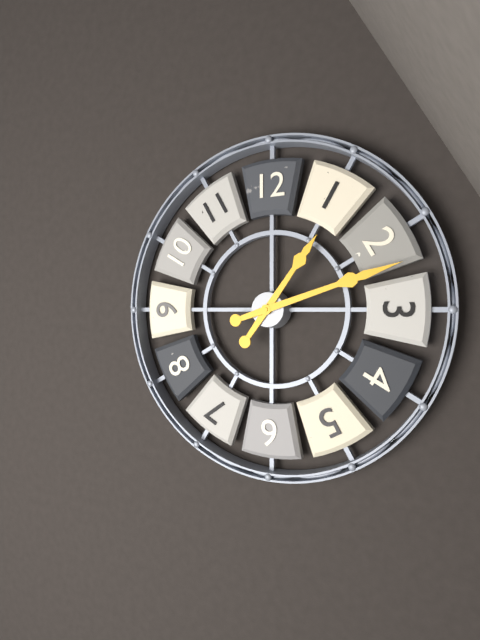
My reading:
1 h 12 min
